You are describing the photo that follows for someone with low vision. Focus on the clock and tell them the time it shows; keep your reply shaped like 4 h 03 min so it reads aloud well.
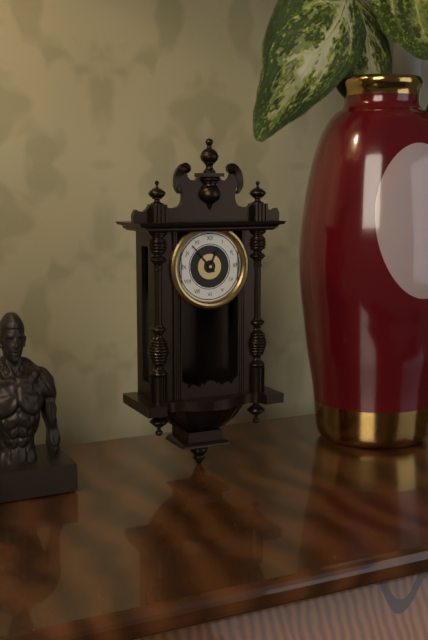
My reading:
12 h 53 min
